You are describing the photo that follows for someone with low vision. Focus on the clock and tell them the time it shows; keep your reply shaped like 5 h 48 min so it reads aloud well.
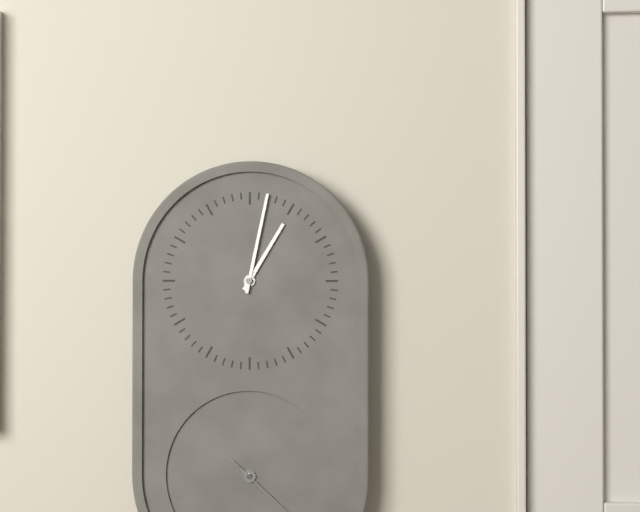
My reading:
1 h 02 min
